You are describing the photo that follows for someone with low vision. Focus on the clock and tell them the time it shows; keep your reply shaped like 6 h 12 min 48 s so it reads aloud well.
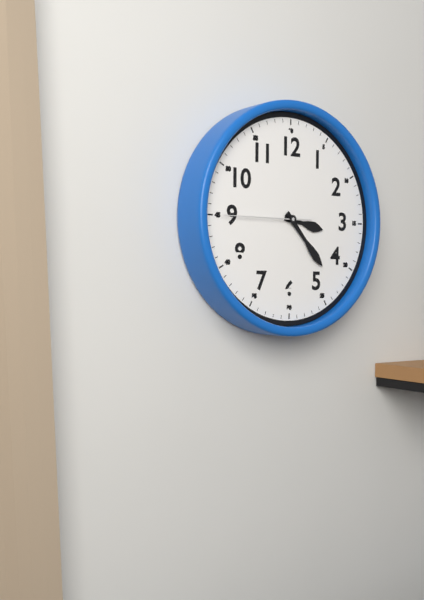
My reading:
3 h 23 min 45 s
